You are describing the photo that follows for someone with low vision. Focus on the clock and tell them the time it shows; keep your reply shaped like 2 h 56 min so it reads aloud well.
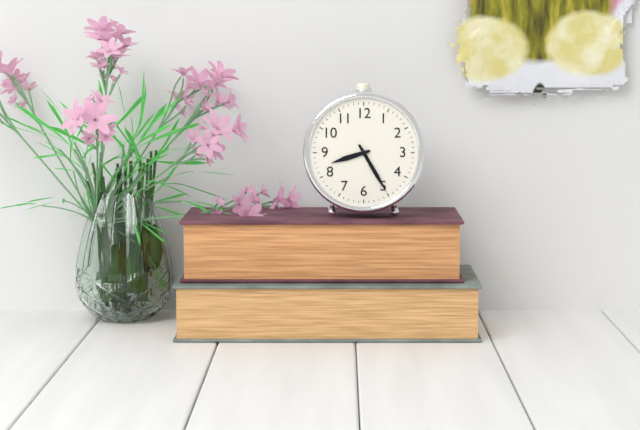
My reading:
8 h 25 min
